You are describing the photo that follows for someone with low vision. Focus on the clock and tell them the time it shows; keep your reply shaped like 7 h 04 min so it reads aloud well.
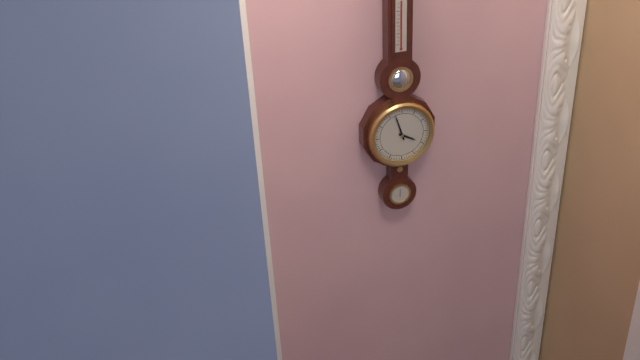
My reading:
3 h 57 min
